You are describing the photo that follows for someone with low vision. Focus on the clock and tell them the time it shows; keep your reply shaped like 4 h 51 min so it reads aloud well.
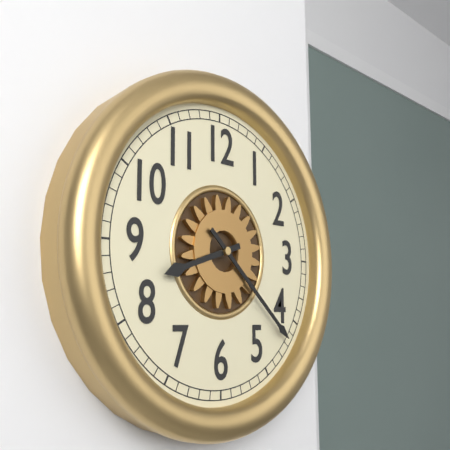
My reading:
8 h 22 min
